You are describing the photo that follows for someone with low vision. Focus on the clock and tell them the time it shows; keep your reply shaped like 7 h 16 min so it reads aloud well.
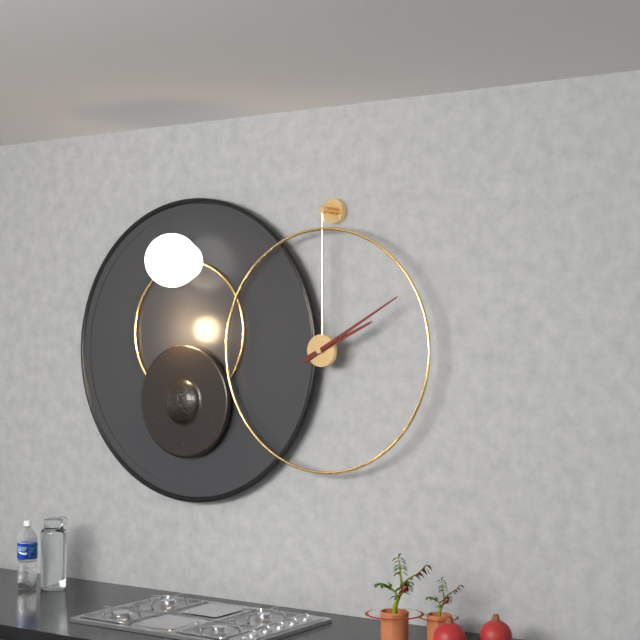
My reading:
2 h 10 min
